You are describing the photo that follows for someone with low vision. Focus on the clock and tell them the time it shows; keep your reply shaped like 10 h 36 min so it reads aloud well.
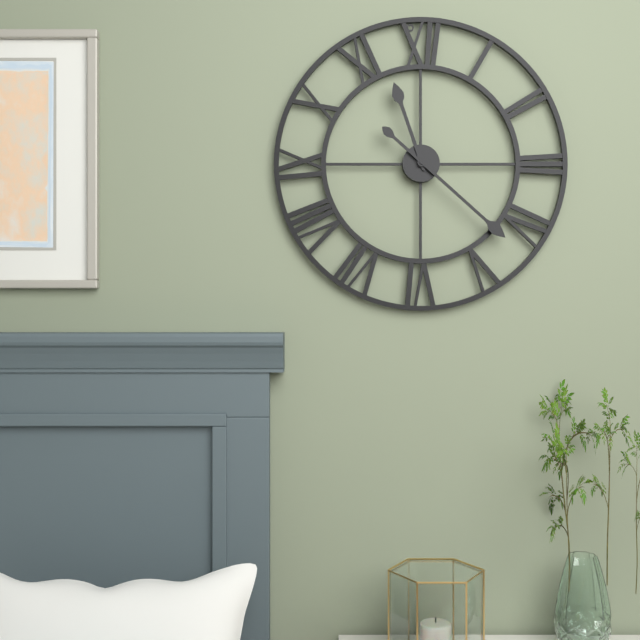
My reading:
11 h 22 min
